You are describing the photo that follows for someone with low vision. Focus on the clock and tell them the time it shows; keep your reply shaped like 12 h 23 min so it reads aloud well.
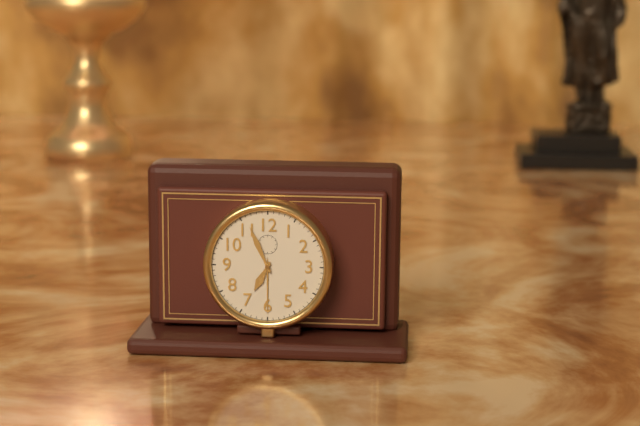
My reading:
6 h 56 min
